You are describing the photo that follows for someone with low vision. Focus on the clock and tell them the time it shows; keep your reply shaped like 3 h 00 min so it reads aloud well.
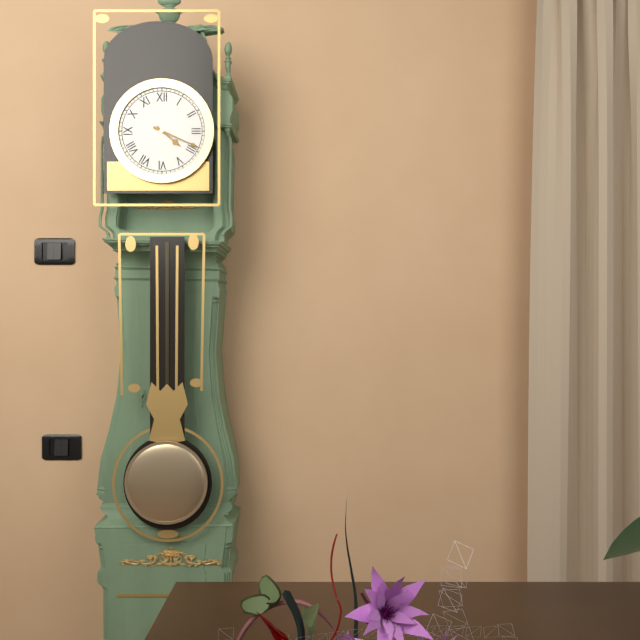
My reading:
4 h 19 min
